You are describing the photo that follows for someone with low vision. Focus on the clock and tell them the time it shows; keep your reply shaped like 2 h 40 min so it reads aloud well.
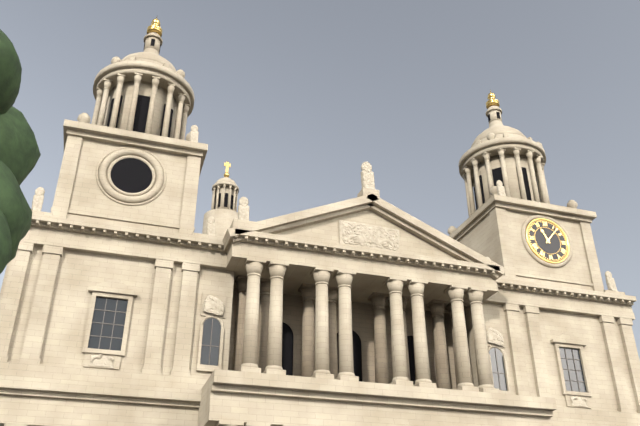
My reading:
11 h 07 min
